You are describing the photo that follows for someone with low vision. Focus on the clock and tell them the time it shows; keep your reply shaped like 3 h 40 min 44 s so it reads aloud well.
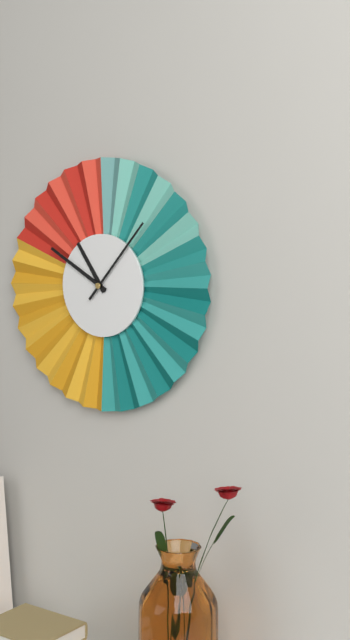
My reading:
10 h 50 min 07 s
